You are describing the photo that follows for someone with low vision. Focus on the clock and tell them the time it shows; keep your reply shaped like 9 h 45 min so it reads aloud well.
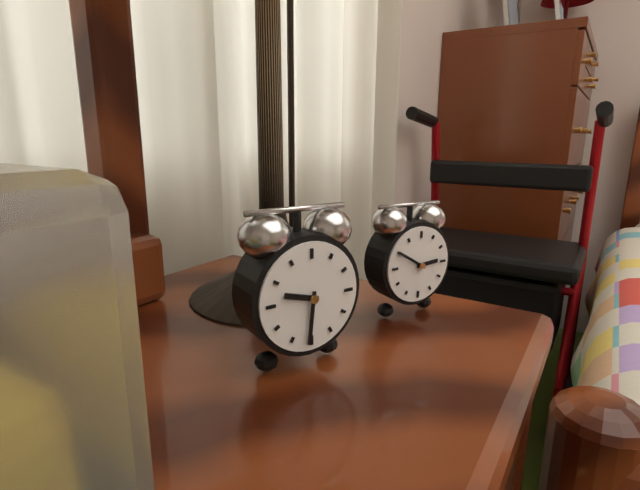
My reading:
9 h 31 min
